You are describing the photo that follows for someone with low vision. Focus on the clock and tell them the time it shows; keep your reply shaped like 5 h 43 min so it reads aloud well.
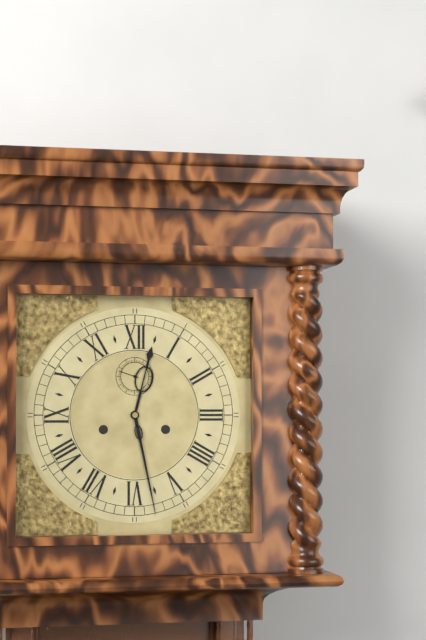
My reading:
12 h 28 min
